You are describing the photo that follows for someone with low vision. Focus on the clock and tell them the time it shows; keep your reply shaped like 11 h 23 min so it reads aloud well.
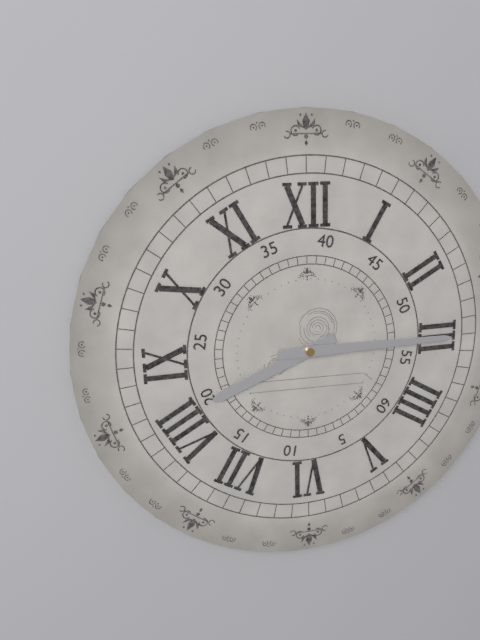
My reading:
8 h 15 min
